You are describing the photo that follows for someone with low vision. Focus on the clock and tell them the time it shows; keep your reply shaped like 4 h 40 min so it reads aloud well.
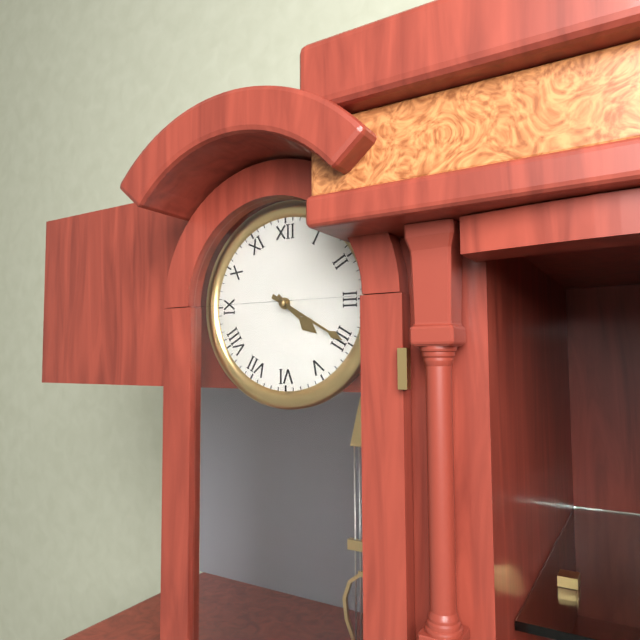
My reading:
4 h 20 min
